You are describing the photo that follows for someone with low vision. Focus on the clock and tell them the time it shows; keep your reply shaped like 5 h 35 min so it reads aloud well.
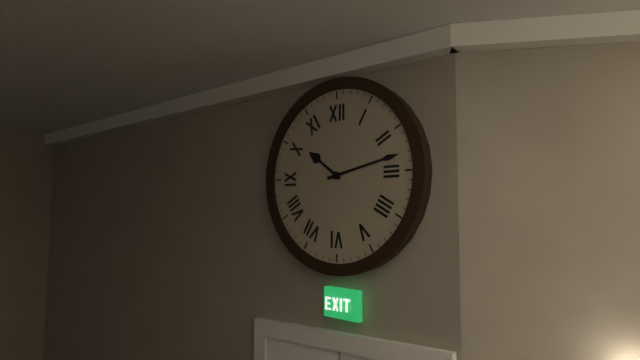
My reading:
10 h 13 min
